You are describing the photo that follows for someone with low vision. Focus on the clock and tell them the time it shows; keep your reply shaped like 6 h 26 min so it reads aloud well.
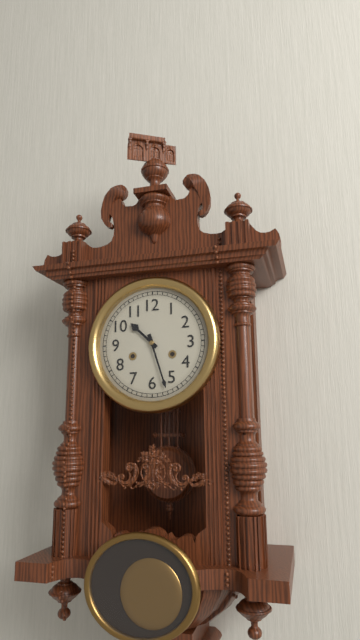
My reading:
10 h 27 min
